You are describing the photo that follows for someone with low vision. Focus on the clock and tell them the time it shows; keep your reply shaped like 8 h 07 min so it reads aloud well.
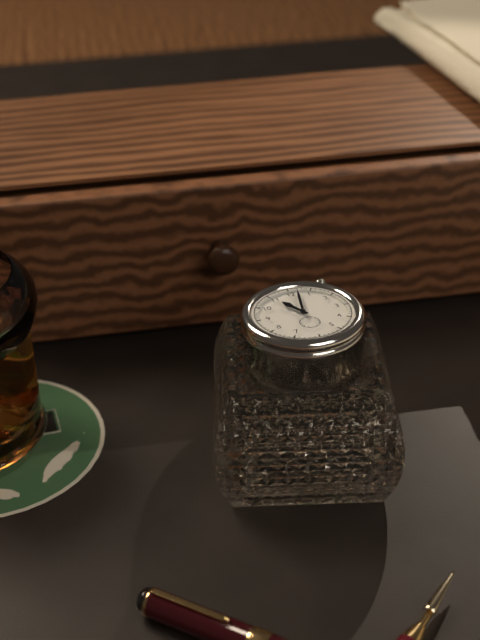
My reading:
11 h 02 min
